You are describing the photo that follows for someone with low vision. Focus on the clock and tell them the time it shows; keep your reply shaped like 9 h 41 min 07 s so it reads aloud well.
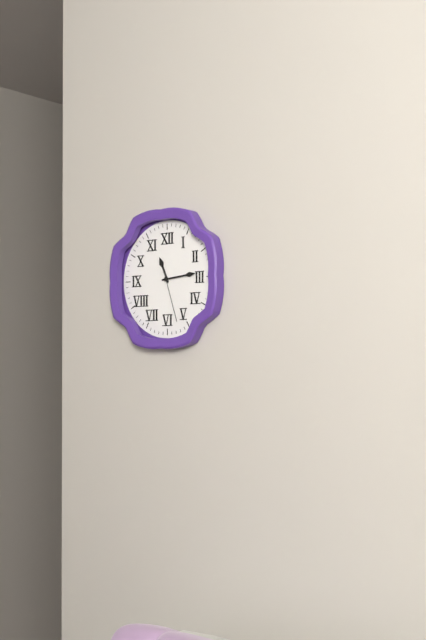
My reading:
11 h 14 min 27 s
